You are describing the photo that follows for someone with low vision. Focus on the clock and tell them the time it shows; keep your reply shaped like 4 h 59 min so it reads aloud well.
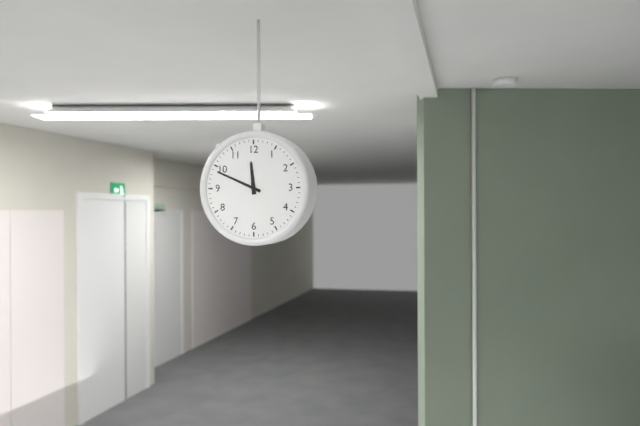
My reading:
11 h 49 min
